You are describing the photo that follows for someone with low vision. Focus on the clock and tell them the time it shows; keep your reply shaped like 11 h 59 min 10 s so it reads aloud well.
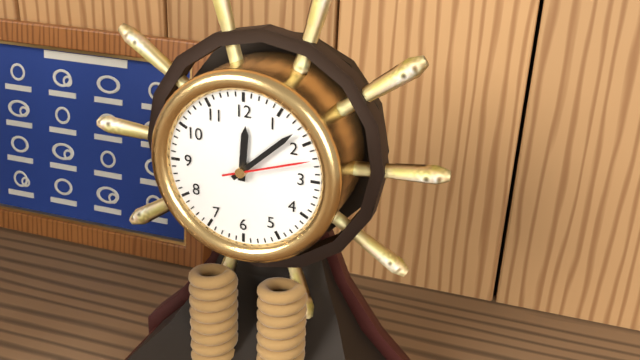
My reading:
12 h 08 min 12 s
